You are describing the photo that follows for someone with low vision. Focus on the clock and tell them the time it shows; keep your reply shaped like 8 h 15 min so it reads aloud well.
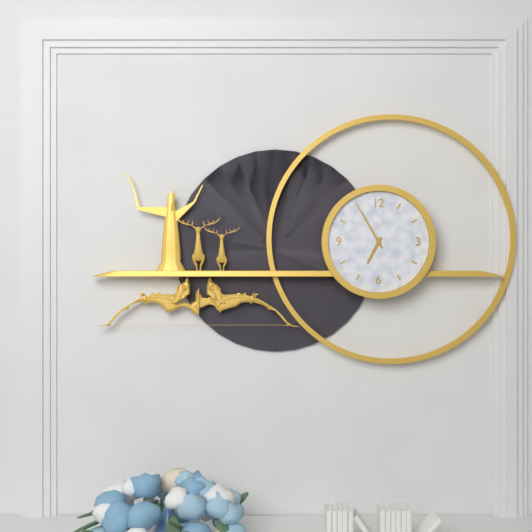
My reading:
6 h 55 min
